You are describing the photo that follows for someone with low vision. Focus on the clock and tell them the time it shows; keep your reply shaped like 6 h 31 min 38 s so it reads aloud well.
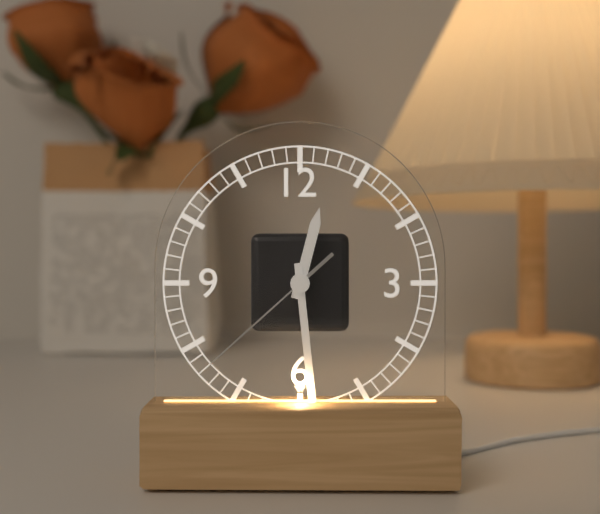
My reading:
12 h 29 min 38 s
